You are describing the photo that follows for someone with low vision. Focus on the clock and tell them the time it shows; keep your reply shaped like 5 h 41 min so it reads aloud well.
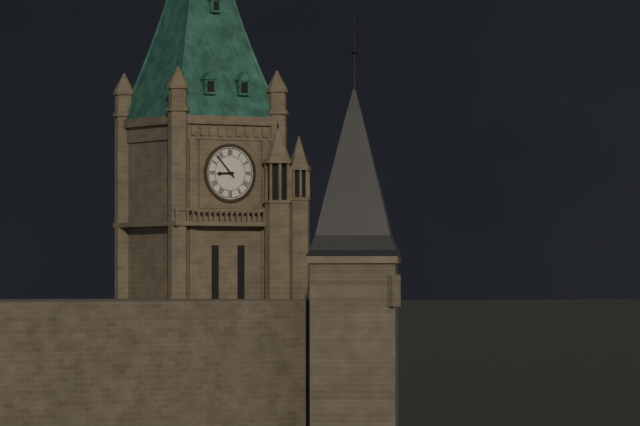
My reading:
8 h 53 min
